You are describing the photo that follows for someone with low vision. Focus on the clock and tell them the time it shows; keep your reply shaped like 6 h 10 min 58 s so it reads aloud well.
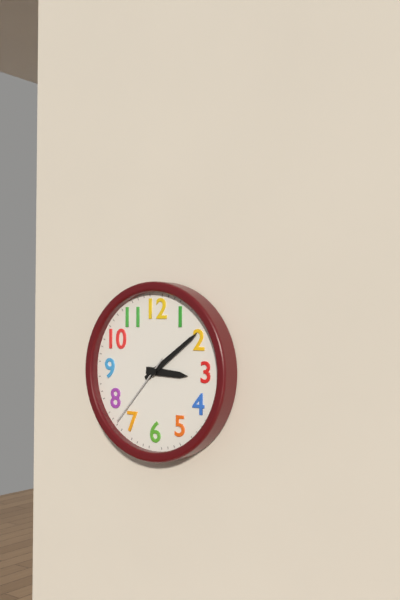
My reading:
3 h 09 min 37 s
